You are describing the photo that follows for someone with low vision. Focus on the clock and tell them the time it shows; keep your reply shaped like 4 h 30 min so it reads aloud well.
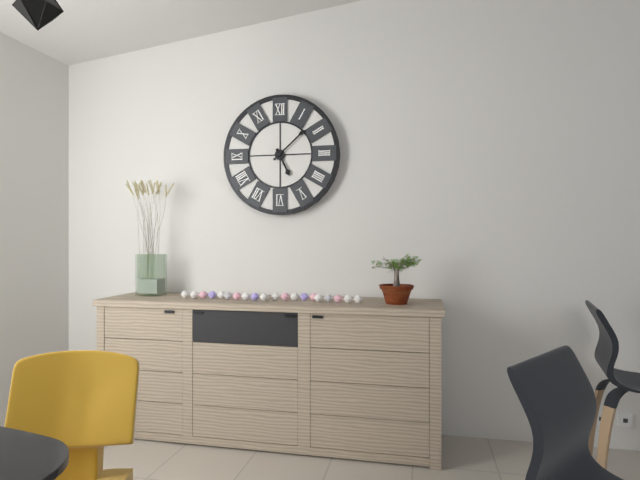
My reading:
5 h 08 min
